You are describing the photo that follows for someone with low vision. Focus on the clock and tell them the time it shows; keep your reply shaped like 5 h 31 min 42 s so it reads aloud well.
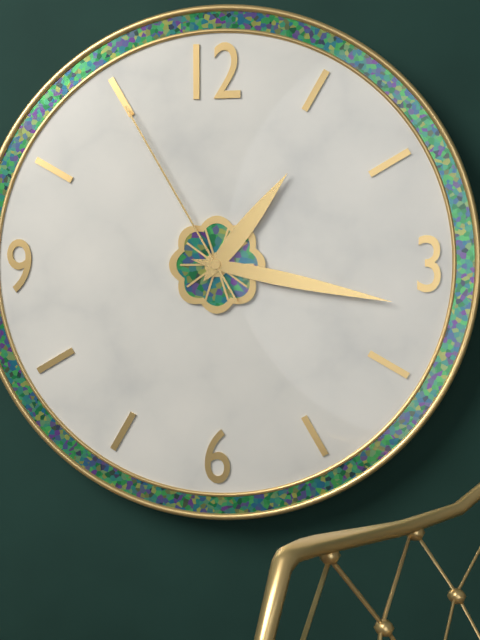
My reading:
1 h 17 min 55 s
